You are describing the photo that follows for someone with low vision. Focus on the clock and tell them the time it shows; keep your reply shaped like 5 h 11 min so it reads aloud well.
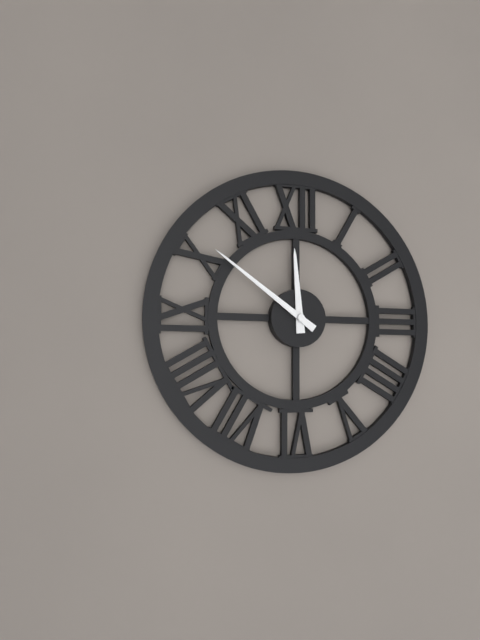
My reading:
11 h 51 min
